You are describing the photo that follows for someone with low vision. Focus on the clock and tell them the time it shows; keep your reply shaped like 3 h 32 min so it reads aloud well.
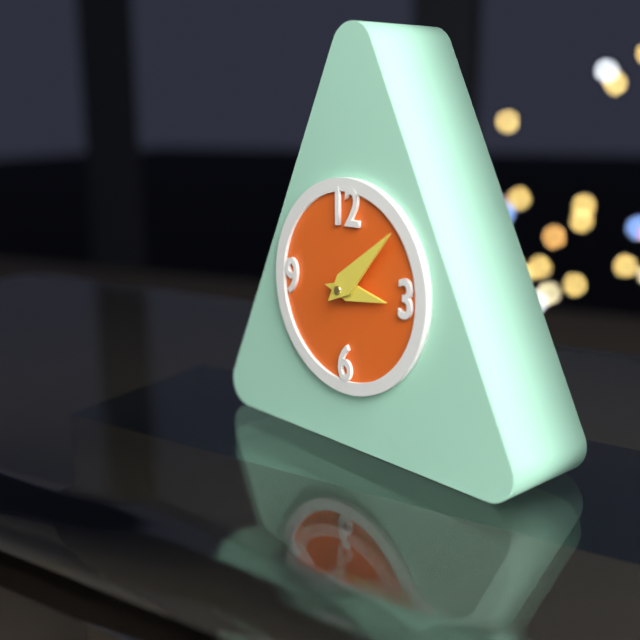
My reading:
3 h 08 min
